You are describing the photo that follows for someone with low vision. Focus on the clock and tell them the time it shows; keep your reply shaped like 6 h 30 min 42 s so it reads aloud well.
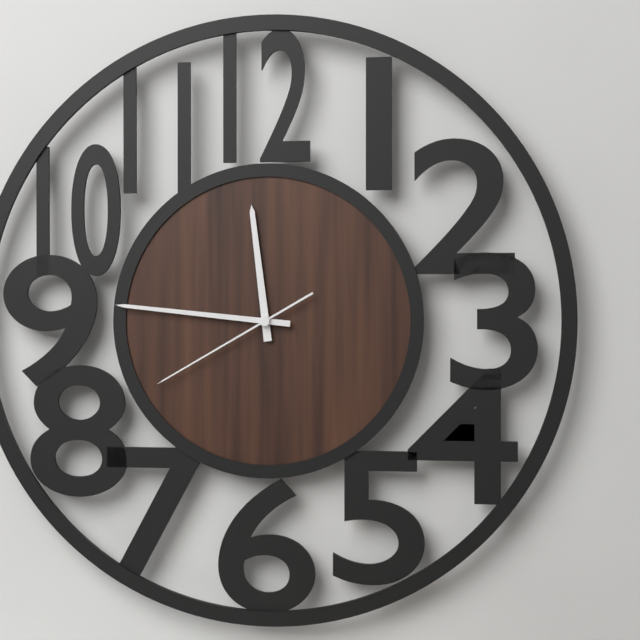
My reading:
11 h 46 min 40 s
